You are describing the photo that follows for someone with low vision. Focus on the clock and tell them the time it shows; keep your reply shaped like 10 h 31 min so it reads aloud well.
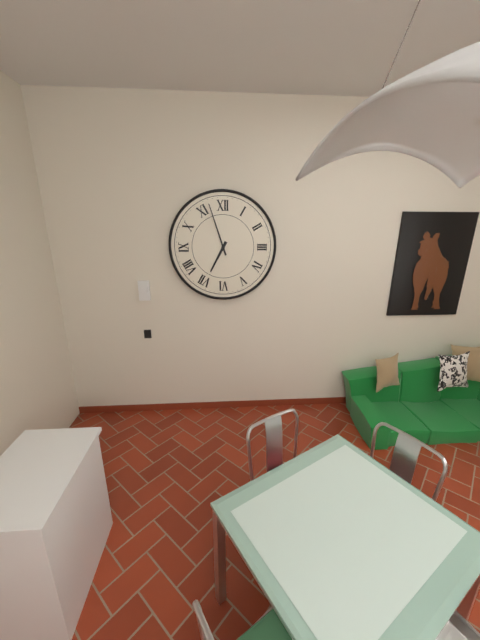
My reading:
6 h 57 min
